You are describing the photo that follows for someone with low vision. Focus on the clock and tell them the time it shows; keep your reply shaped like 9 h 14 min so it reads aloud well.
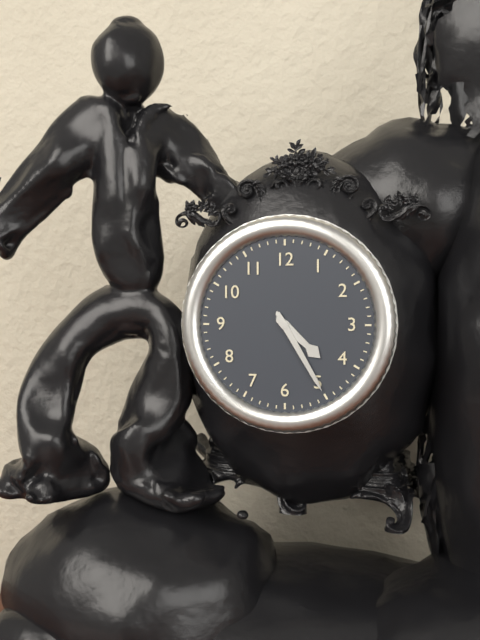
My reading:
4 h 25 min
